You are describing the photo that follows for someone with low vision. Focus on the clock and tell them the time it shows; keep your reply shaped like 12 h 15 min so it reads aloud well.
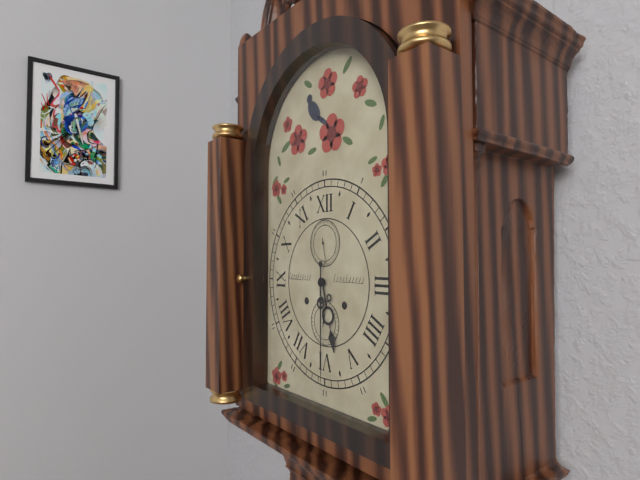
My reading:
5 h 30 min
